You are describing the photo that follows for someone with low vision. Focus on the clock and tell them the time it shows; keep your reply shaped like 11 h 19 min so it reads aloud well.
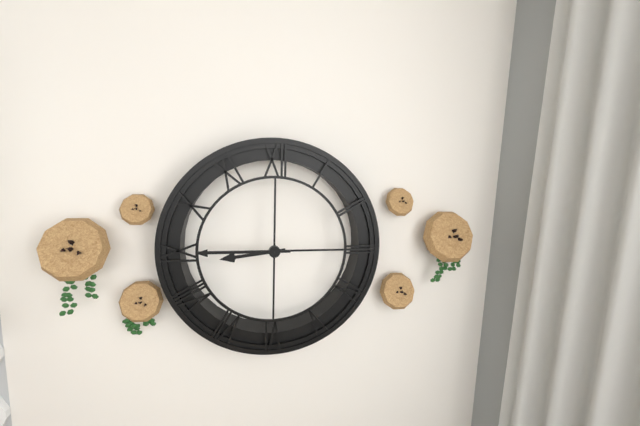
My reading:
8 h 45 min
